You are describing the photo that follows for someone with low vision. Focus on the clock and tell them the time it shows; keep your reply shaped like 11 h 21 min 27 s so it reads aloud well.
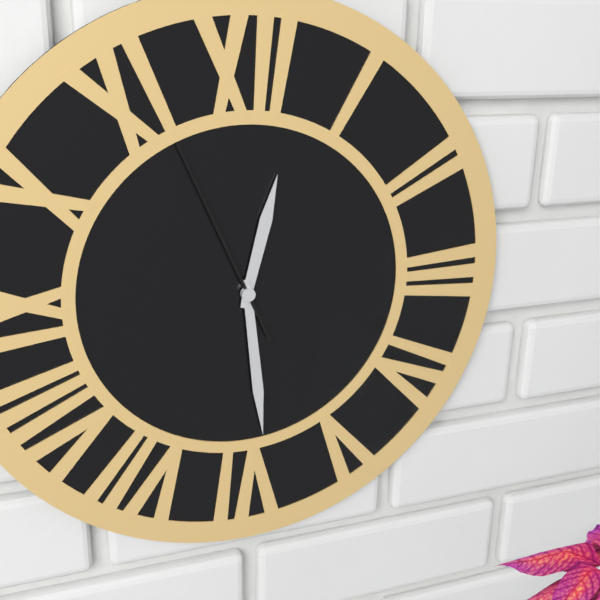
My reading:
12 h 29 min 56 s
